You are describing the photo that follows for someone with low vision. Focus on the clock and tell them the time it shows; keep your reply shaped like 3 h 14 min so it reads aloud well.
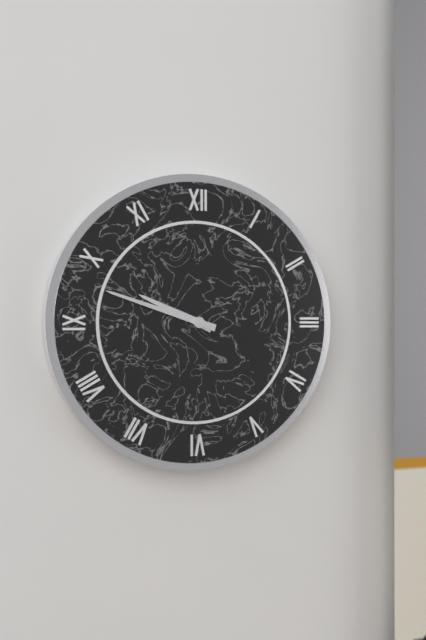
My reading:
9 h 48 min
